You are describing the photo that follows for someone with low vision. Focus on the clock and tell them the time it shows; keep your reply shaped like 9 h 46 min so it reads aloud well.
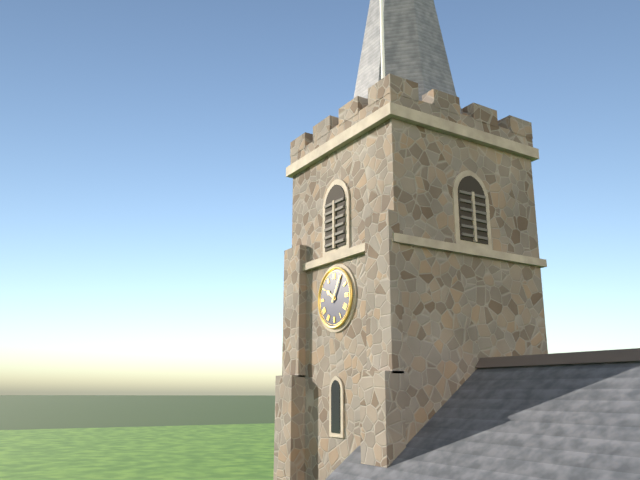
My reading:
10 h 05 min
